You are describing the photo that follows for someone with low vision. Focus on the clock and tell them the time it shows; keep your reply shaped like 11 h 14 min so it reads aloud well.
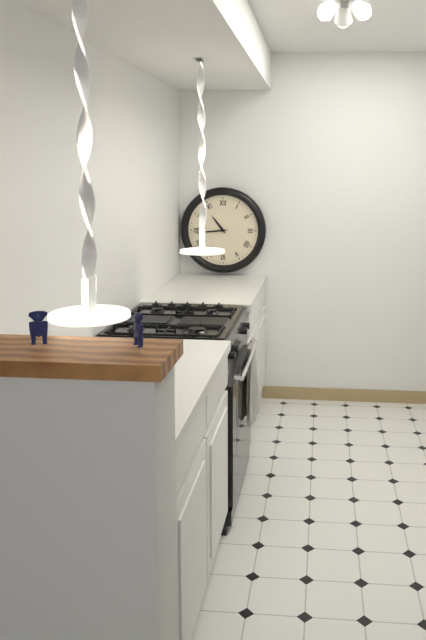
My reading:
10 h 44 min
